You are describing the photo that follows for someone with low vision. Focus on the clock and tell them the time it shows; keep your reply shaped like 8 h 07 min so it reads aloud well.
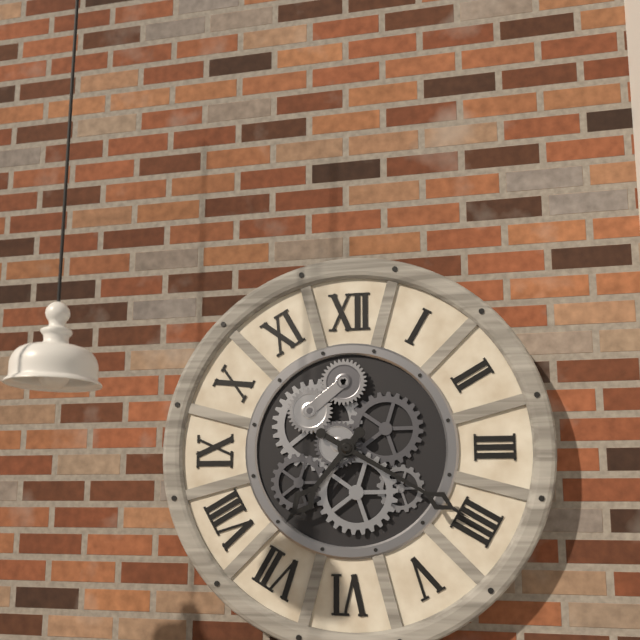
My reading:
7 h 20 min
